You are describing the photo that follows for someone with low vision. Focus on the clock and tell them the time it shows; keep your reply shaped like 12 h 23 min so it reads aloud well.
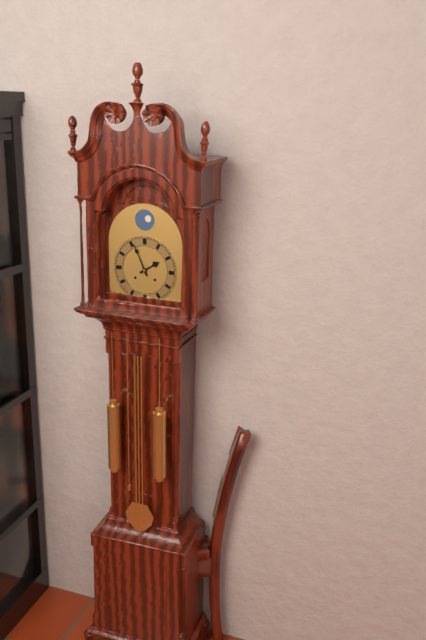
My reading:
1 h 56 min
